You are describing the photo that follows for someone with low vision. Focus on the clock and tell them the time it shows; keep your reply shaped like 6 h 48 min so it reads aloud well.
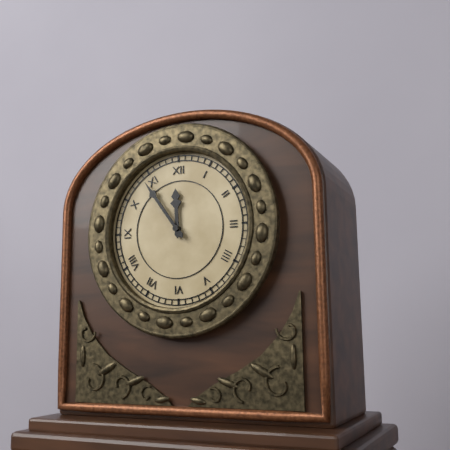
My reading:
11 h 54 min
